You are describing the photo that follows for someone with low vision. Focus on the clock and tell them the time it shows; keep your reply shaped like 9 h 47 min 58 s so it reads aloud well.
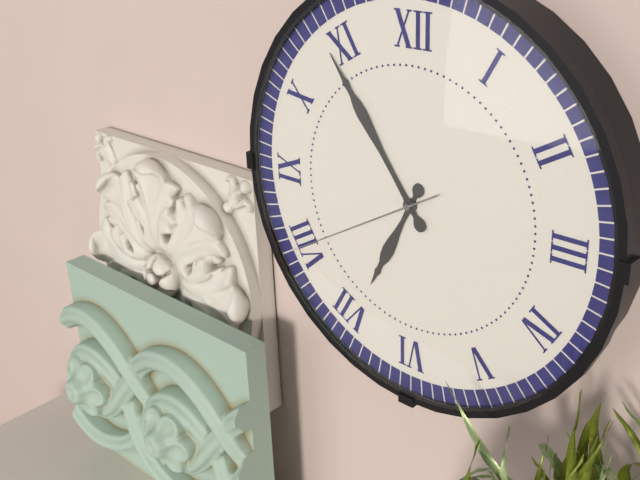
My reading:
6 h 54 min 40 s
